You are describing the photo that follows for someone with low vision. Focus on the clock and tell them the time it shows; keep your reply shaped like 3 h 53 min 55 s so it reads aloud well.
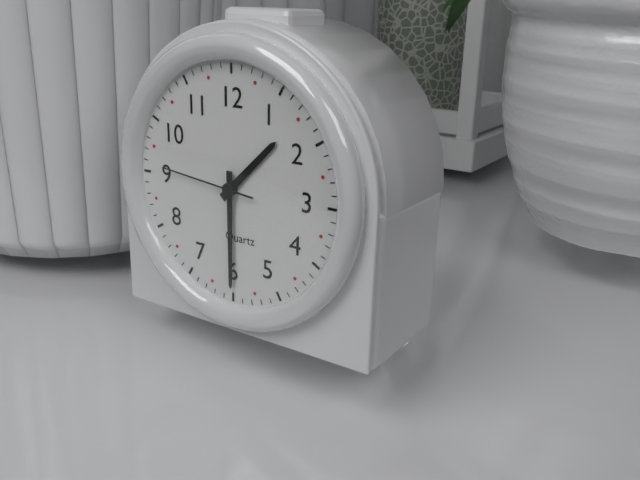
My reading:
1 h 30 min 46 s
